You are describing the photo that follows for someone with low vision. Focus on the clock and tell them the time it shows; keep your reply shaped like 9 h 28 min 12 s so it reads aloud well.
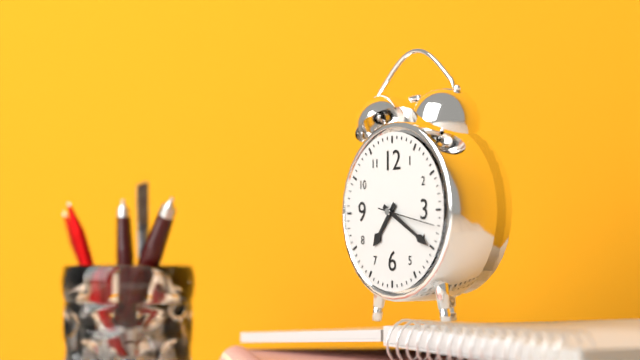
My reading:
7 h 20 min 17 s
